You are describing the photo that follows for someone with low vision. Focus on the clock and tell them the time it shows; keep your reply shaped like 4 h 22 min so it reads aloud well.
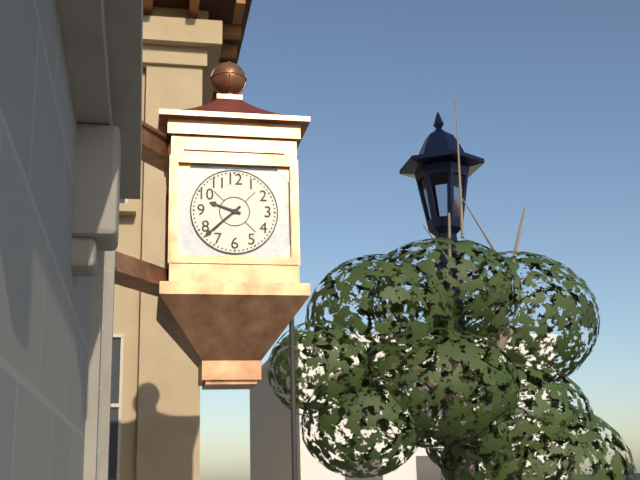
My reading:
9 h 38 min
